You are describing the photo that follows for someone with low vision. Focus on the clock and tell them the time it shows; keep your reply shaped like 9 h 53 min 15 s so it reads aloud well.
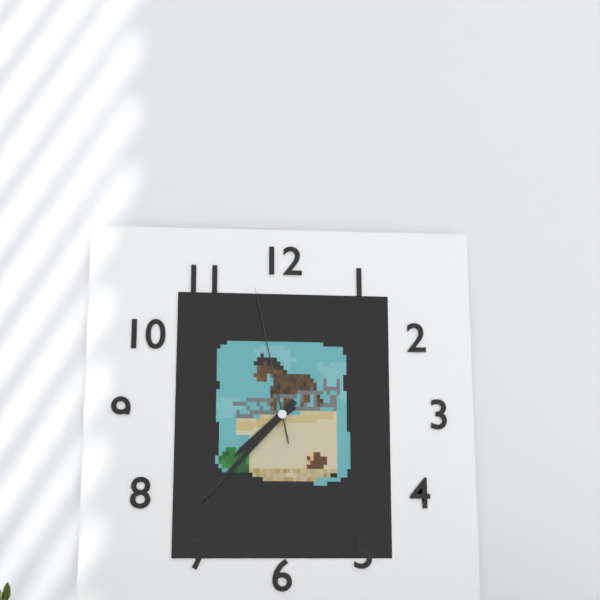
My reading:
7 h 37 min 58 s
